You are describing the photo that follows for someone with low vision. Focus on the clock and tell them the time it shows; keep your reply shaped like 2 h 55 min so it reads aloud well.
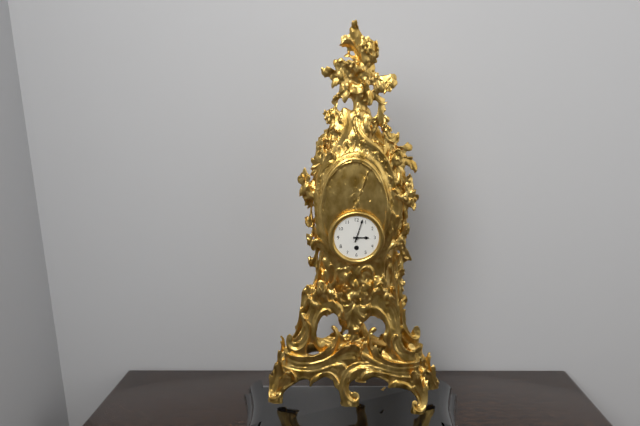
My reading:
3 h 03 min
